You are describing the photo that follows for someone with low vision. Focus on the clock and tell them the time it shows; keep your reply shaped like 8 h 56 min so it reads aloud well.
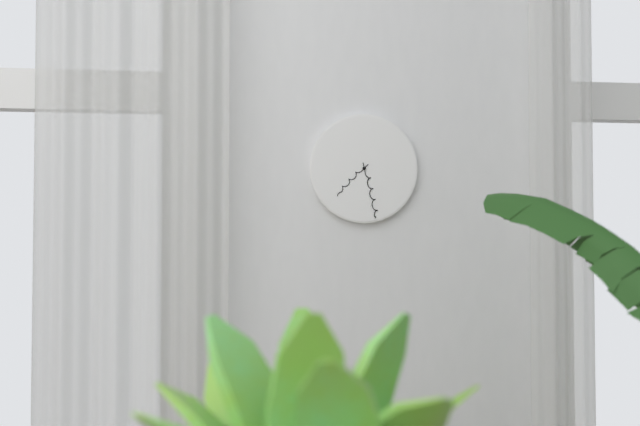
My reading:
7 h 28 min
